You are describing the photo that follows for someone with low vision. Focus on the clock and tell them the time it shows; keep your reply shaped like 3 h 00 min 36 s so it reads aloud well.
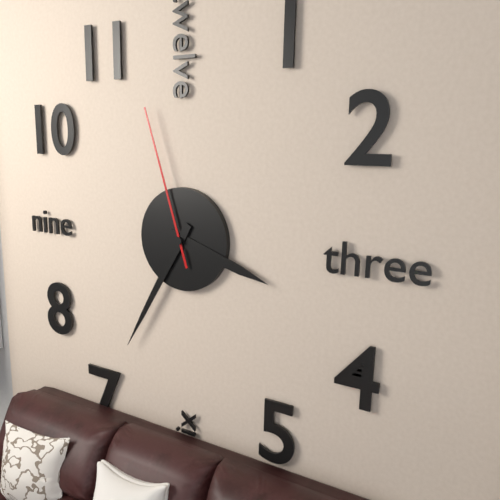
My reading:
3 h 35 min 57 s
